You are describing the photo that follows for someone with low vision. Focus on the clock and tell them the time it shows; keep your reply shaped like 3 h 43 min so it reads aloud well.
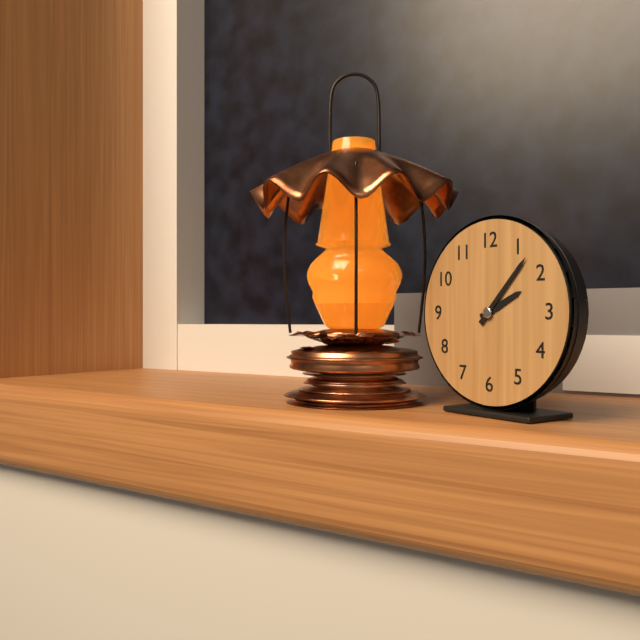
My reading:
2 h 07 min
